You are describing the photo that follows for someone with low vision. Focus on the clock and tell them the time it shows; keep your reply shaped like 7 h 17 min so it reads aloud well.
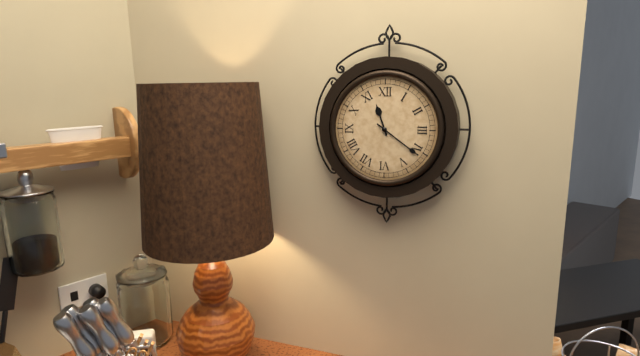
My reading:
11 h 21 min
